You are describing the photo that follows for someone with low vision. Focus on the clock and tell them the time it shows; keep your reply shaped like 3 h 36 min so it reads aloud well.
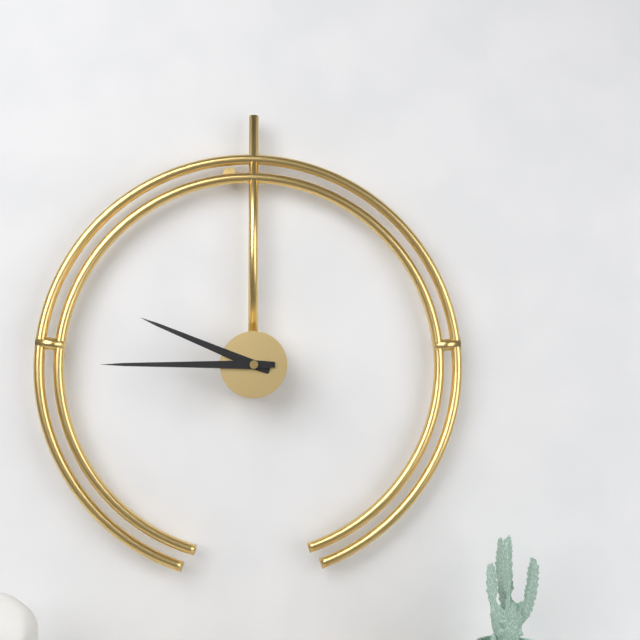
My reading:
9 h 45 min
